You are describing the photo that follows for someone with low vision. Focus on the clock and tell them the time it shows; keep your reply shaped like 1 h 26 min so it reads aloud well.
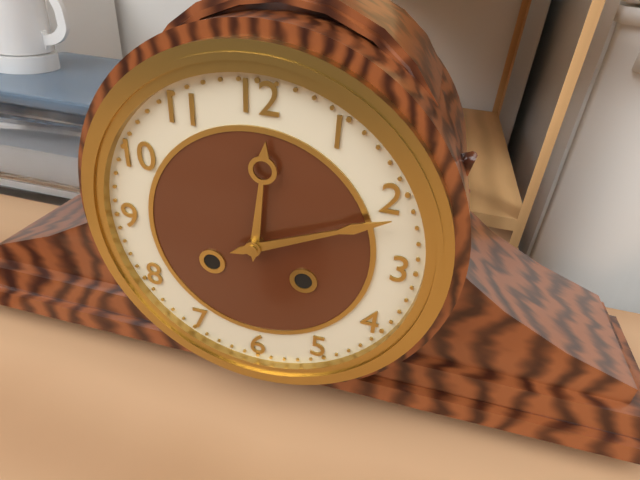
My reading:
12 h 11 min
